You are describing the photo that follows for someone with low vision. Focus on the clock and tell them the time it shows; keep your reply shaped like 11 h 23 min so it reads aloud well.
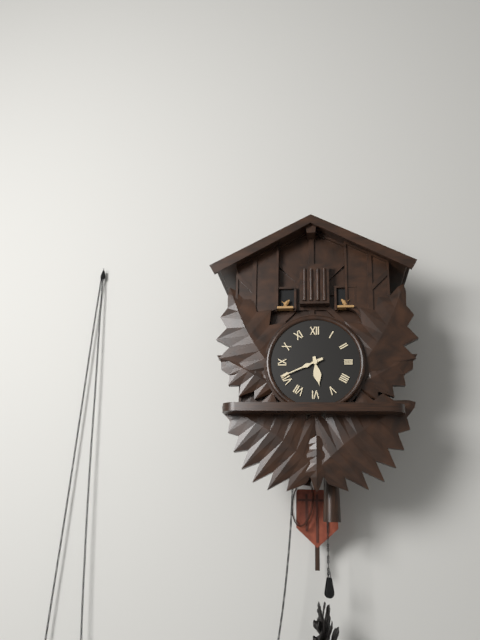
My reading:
5 h 41 min
